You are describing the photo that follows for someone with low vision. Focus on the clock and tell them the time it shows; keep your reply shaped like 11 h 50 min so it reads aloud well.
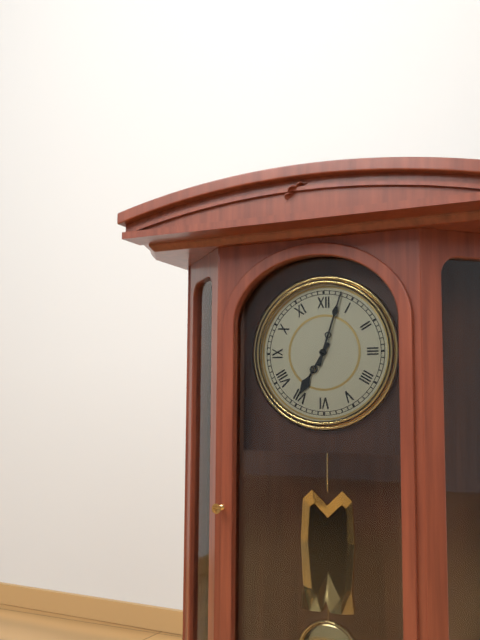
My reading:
7 h 03 min
